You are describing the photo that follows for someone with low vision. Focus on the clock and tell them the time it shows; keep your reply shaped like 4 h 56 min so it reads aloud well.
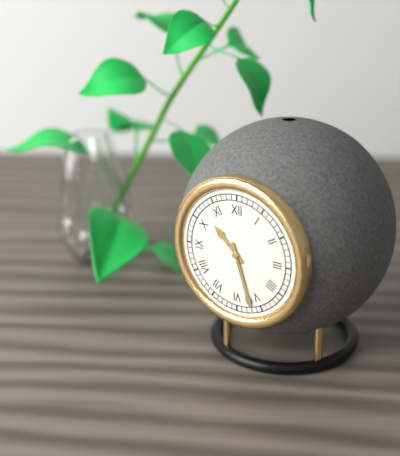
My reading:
10 h 27 min
